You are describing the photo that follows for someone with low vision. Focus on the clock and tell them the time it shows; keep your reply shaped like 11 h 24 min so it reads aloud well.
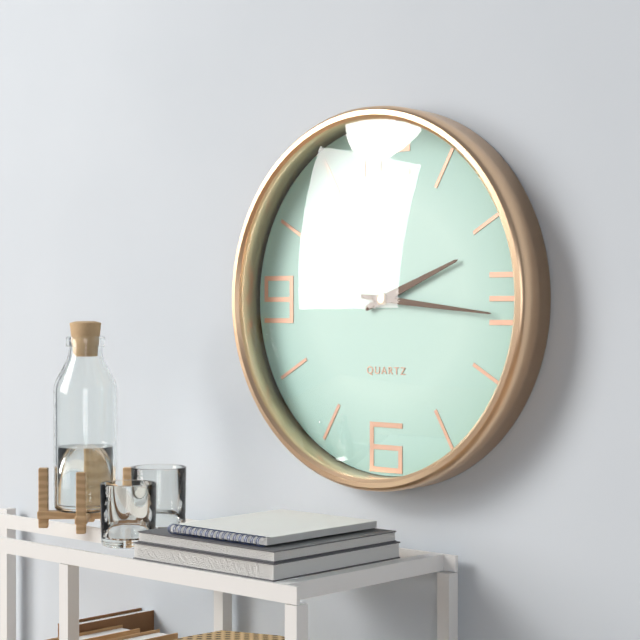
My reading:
2 h 16 min
